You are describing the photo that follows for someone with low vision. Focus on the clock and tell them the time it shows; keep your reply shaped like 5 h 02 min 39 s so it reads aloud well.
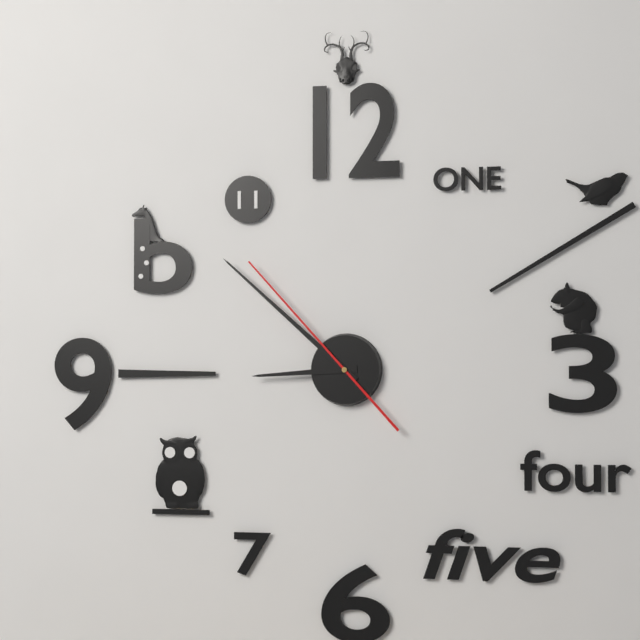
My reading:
8 h 52 min 53 s
